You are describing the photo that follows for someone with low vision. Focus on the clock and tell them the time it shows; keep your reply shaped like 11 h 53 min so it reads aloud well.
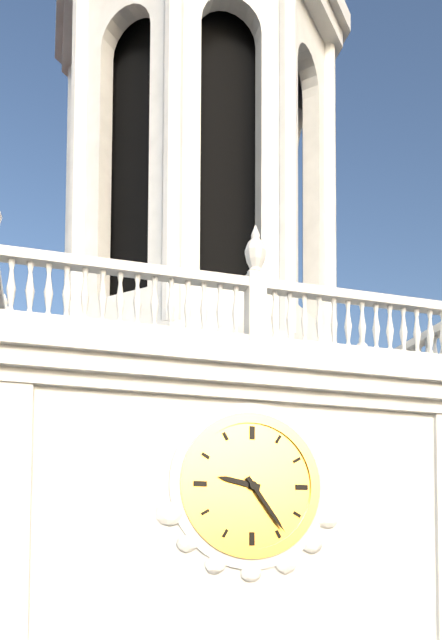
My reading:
9 h 24 min
